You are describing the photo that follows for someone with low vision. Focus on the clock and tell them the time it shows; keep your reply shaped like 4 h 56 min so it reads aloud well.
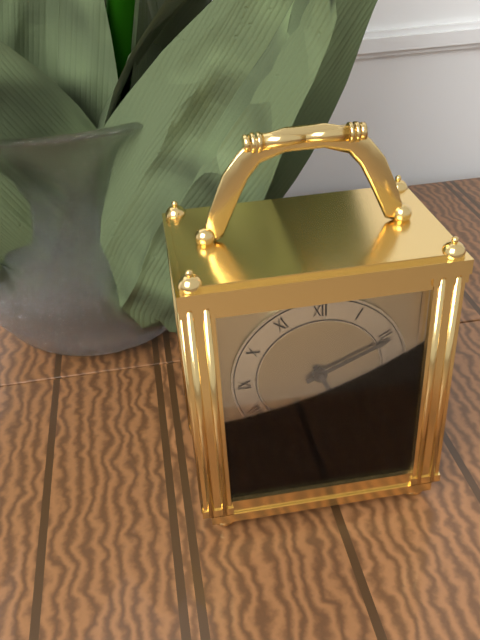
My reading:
5 h 11 min
